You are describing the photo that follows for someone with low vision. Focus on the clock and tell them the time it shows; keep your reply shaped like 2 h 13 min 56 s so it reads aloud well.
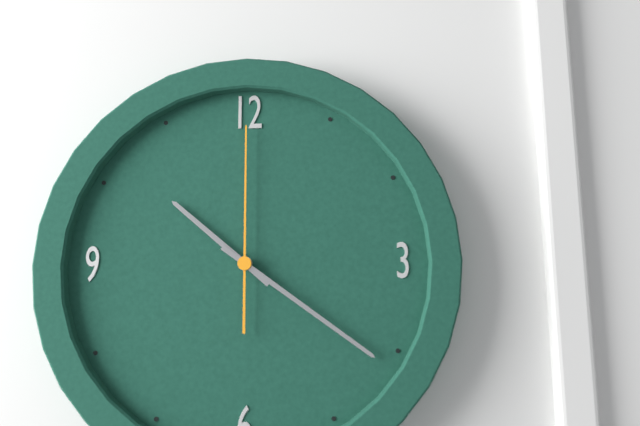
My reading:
10 h 21 min 00 s
